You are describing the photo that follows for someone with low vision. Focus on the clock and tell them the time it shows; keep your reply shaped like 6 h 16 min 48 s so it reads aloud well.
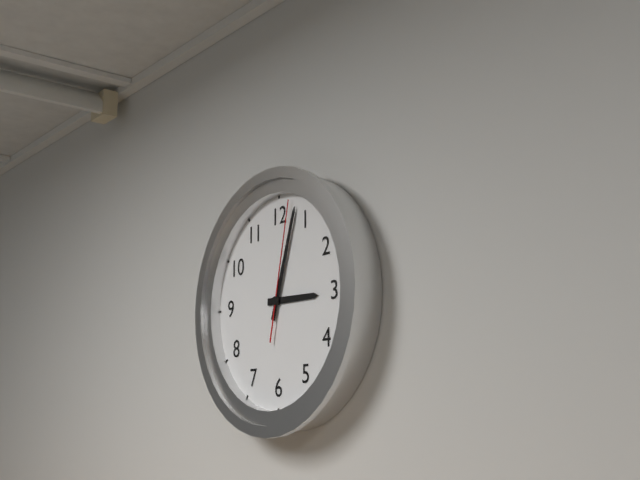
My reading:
3 h 03 min 02 s
